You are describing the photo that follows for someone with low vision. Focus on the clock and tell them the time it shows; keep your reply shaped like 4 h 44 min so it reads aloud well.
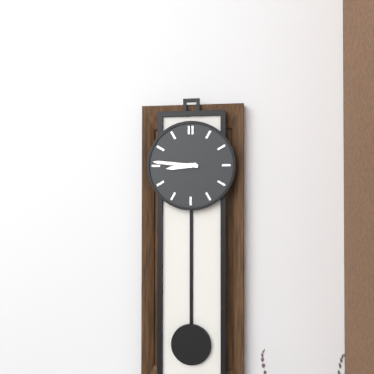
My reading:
8 h 46 min
